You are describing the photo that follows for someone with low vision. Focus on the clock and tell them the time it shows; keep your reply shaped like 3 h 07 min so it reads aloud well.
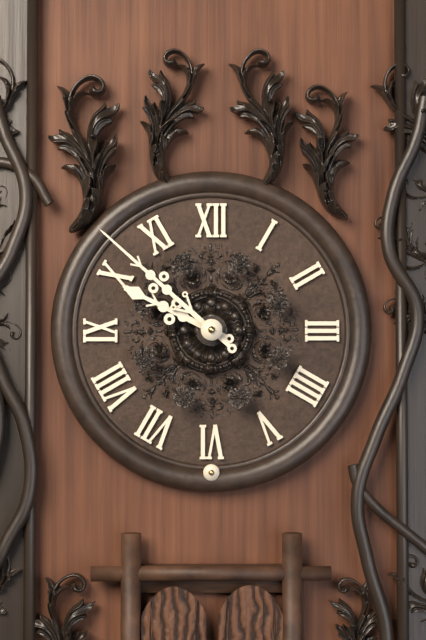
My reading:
9 h 52 min
